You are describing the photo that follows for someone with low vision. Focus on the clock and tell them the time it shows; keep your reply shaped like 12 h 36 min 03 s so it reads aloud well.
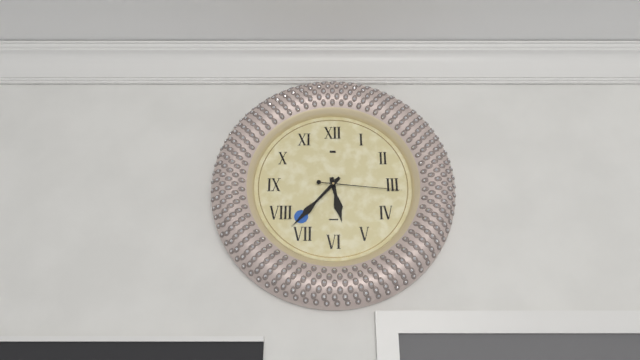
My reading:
5 h 37 min 16 s
